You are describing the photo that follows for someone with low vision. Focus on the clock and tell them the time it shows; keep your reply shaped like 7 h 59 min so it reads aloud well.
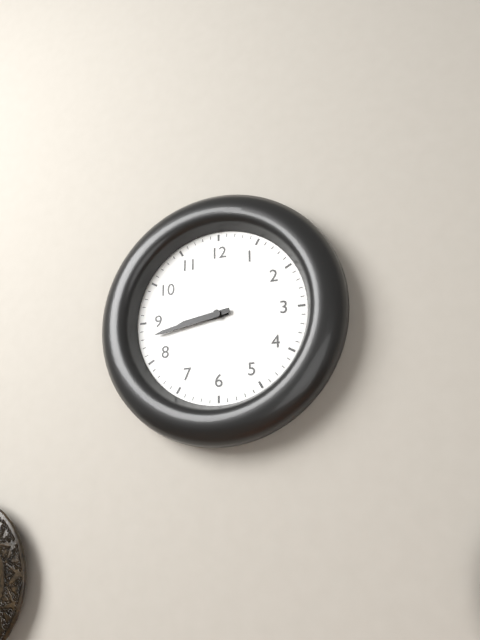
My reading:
8 h 43 min
